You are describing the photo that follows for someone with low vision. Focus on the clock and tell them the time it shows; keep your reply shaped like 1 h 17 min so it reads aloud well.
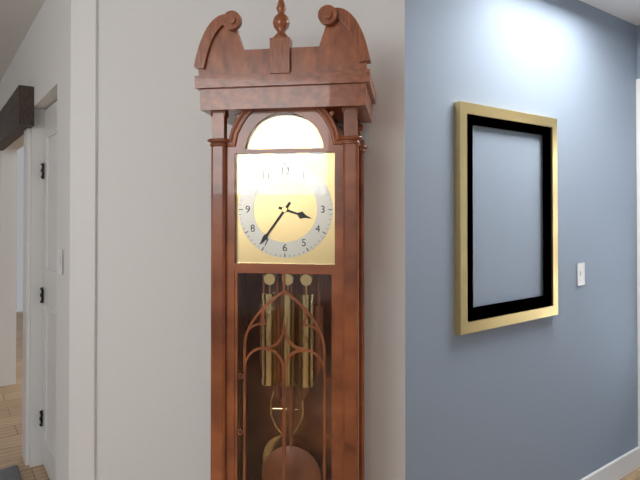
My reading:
3 h 36 min
